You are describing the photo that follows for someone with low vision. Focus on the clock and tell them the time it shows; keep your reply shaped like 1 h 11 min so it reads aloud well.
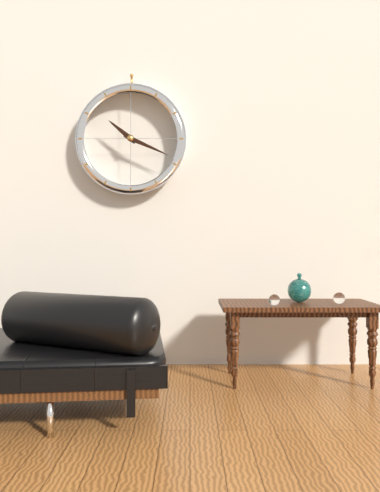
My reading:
10 h 19 min
